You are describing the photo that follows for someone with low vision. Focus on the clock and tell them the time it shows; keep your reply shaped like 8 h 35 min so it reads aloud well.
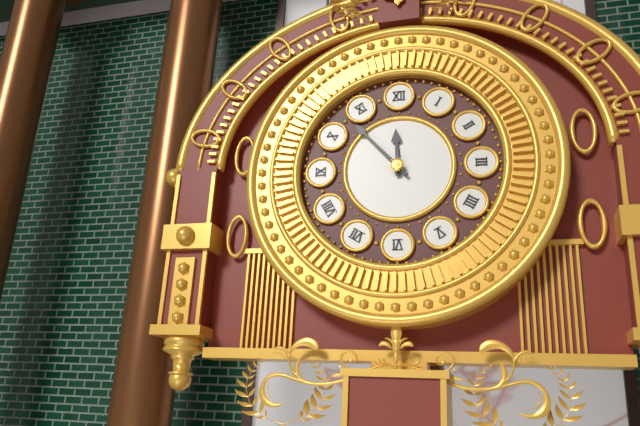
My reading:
11 h 53 min
